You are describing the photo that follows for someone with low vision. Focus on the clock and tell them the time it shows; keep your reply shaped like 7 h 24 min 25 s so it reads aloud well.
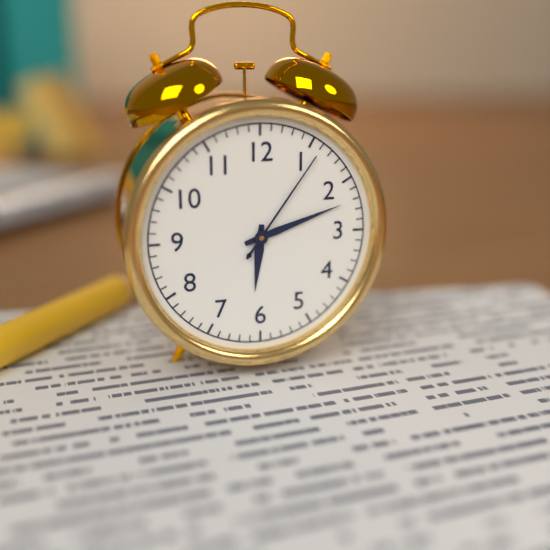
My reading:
6 h 12 min 06 s
